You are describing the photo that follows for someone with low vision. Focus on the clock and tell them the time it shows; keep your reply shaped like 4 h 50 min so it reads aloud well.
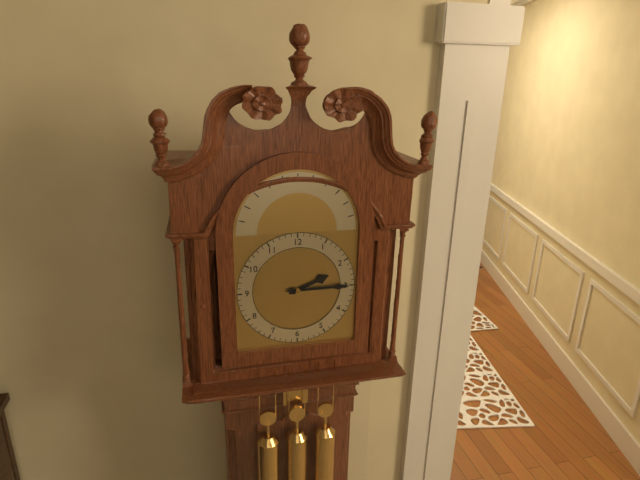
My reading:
2 h 15 min
